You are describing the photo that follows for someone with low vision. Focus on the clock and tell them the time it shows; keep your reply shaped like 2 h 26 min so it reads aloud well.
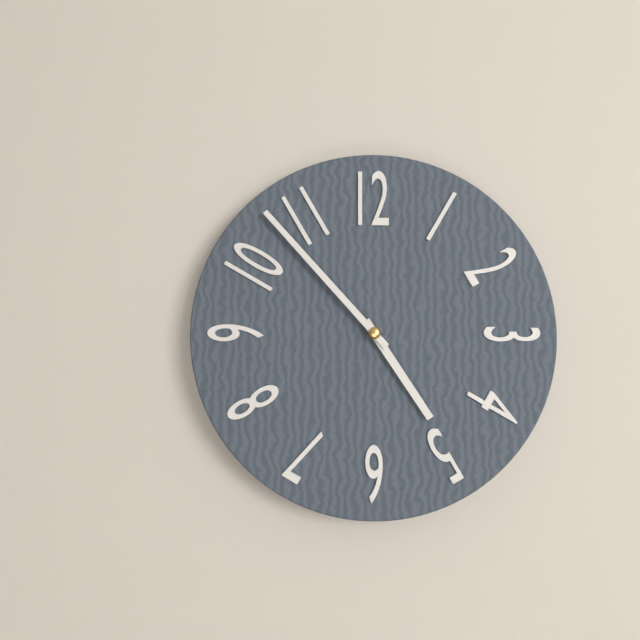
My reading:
4 h 53 min
